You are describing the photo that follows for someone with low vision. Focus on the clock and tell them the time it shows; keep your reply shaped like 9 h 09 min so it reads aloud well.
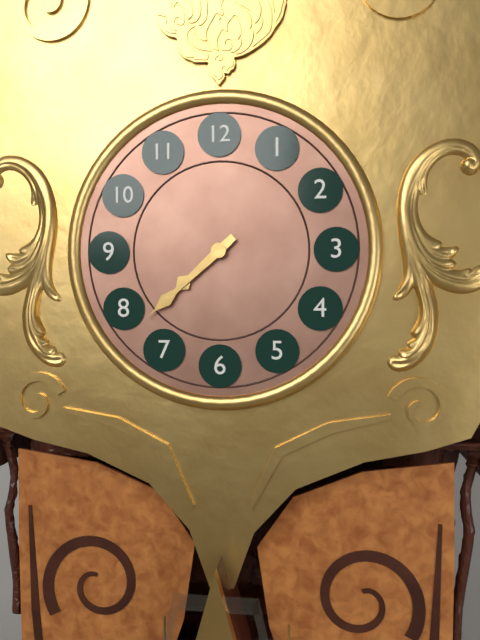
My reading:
7 h 38 min
